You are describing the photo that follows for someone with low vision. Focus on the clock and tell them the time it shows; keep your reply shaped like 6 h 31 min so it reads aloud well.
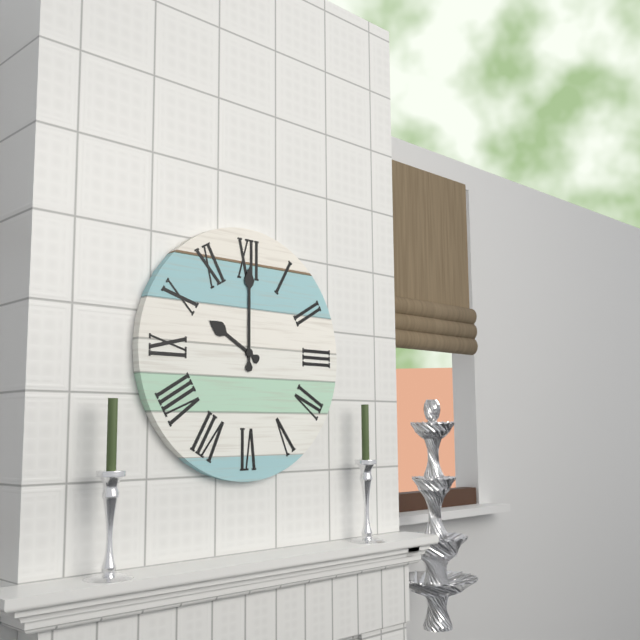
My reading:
10 h 00 min
